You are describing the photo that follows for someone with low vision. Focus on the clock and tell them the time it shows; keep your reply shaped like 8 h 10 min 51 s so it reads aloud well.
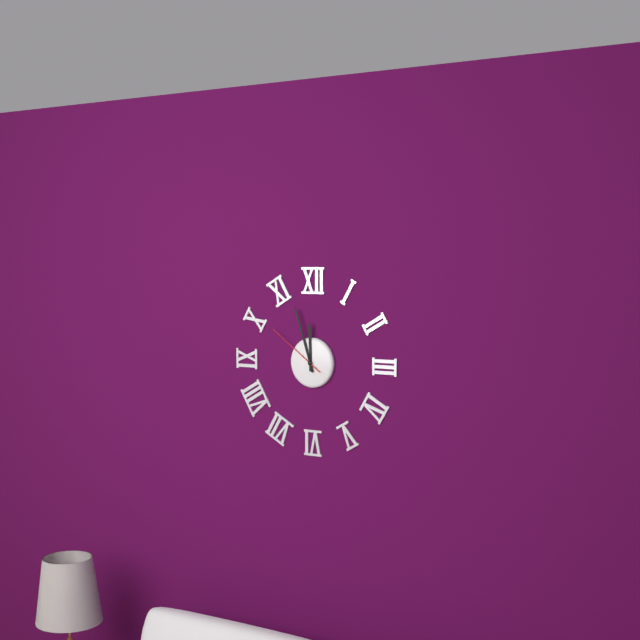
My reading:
11 h 57 min 51 s
